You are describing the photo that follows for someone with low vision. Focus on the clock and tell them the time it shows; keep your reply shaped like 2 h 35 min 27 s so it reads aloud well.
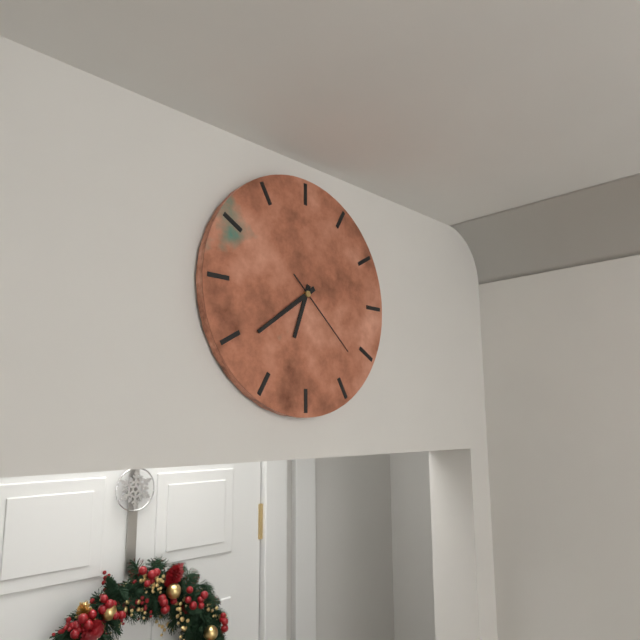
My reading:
6 h 39 min 22 s
